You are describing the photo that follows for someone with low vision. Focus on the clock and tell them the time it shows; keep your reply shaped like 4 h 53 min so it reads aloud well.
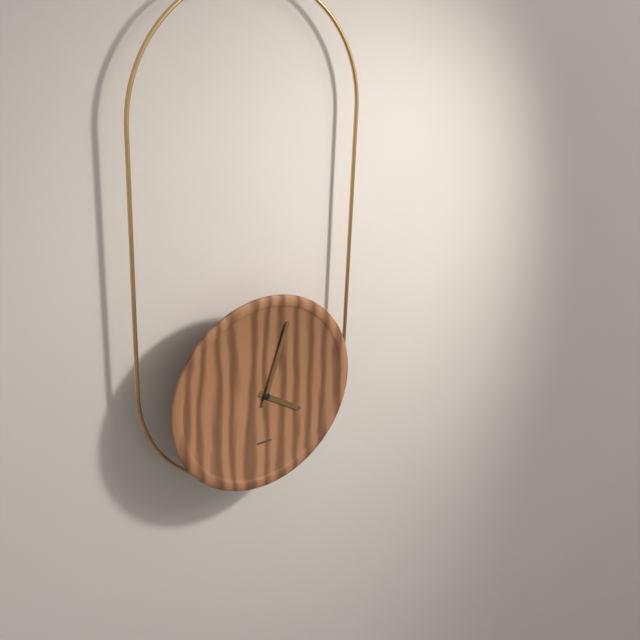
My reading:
4 h 03 min
